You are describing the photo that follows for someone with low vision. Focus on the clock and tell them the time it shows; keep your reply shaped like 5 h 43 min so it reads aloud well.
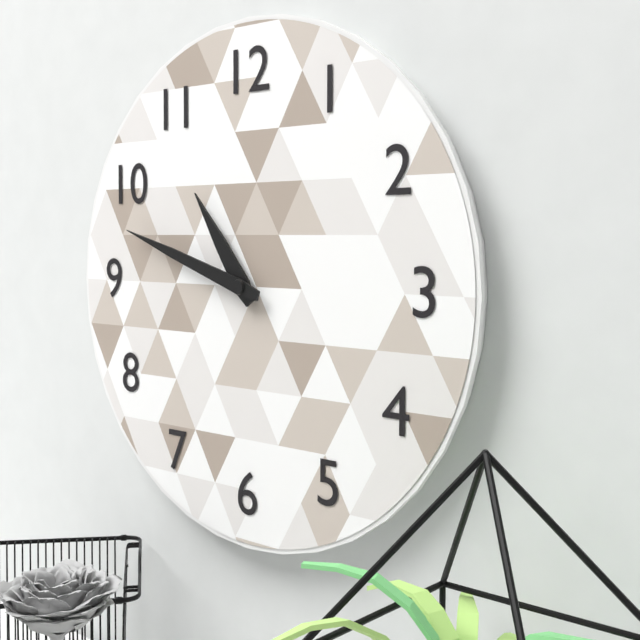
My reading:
10 h 48 min
